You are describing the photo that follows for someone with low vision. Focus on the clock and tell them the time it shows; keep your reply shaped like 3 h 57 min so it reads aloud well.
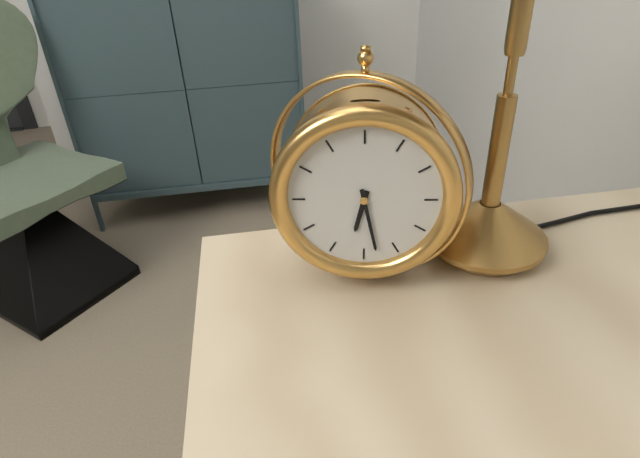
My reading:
6 h 28 min
